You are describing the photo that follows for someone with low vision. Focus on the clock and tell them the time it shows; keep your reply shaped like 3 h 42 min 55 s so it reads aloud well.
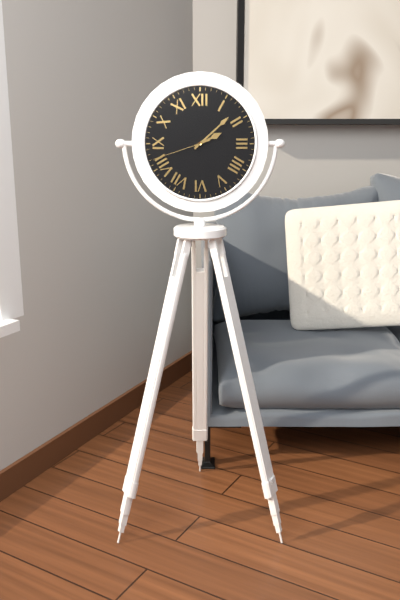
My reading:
2 h 08 min 42 s
